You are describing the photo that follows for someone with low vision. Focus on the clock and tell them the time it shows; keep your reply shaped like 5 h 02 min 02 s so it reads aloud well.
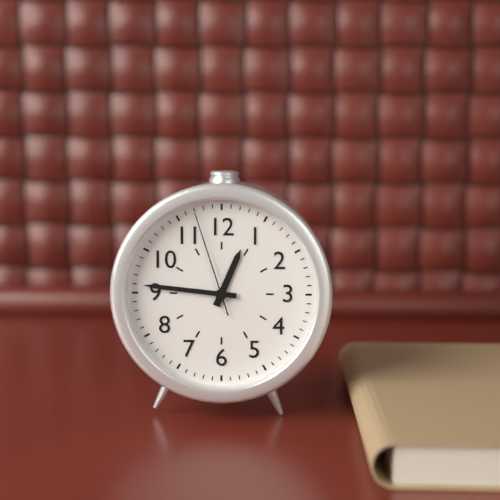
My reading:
12 h 46 min 57 s
